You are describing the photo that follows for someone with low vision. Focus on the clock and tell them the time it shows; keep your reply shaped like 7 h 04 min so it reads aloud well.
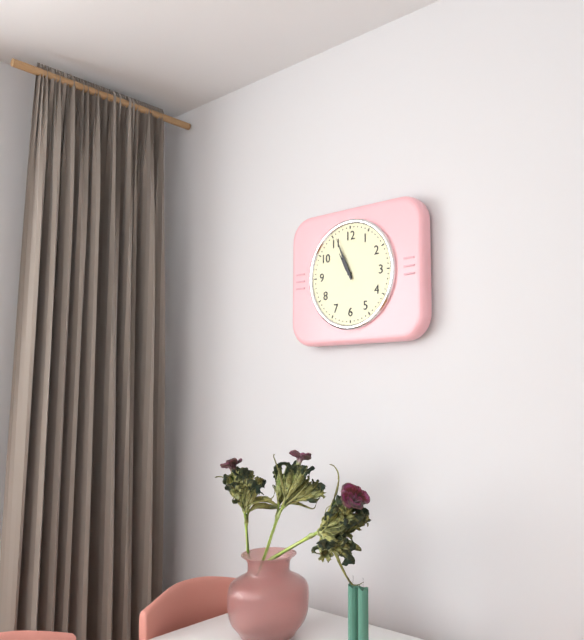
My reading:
10 h 56 min
